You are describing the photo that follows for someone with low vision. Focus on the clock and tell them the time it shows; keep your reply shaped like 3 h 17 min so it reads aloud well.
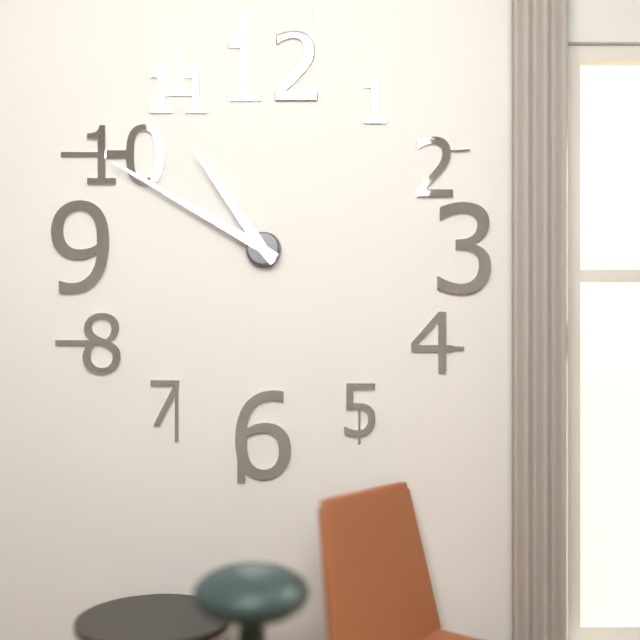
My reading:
10 h 50 min
